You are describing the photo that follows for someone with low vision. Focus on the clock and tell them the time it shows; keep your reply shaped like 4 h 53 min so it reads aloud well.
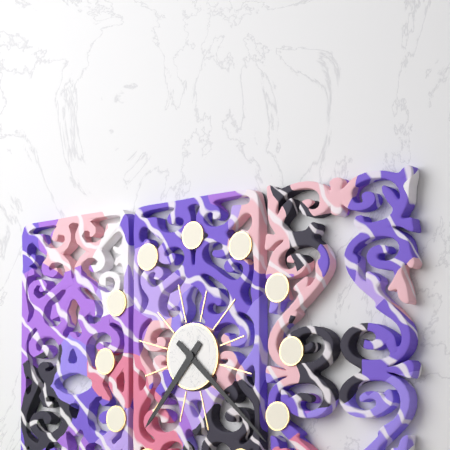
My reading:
7 h 22 min
